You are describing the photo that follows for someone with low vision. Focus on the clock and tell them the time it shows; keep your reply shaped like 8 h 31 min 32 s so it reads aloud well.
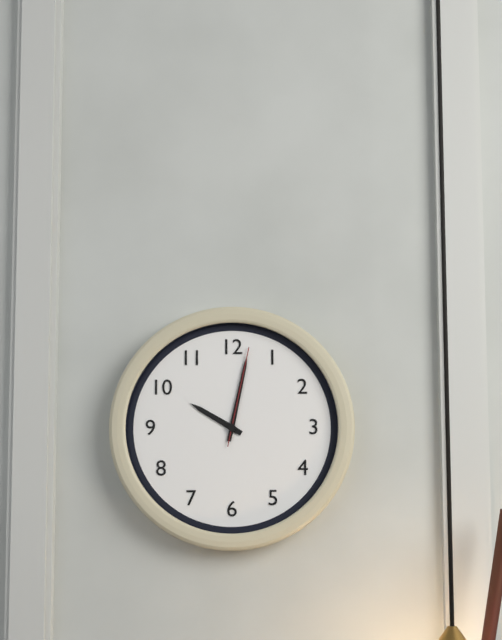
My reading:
10 h 02 min 02 s
